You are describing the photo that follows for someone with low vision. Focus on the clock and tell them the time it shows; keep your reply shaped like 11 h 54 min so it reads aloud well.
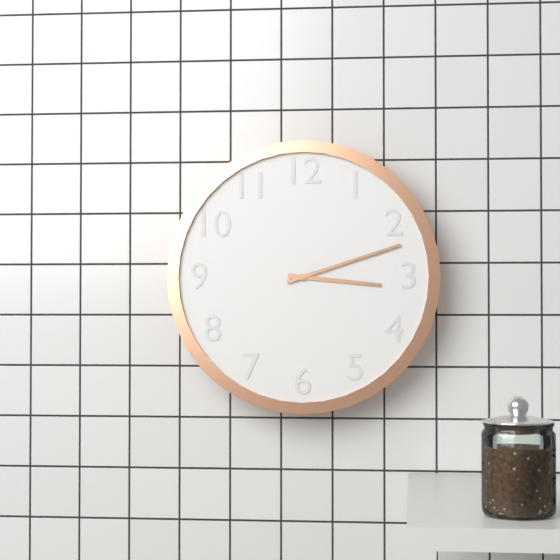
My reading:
3 h 12 min
